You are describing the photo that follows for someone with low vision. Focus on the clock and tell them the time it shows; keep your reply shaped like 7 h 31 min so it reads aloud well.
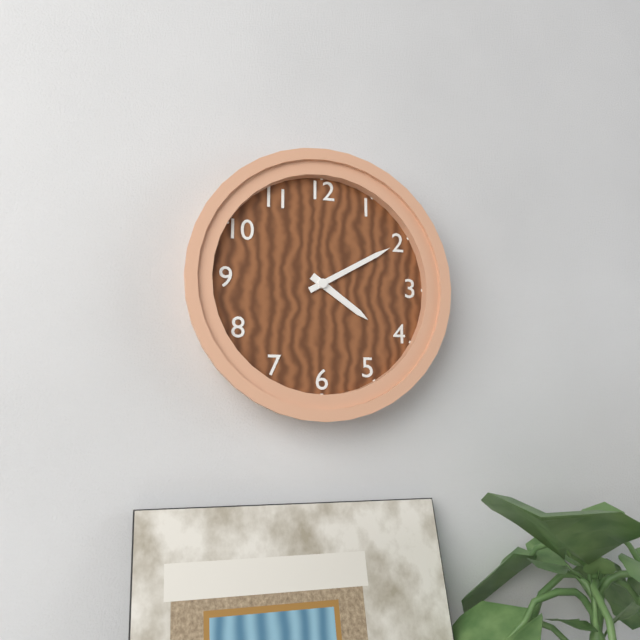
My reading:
4 h 10 min
